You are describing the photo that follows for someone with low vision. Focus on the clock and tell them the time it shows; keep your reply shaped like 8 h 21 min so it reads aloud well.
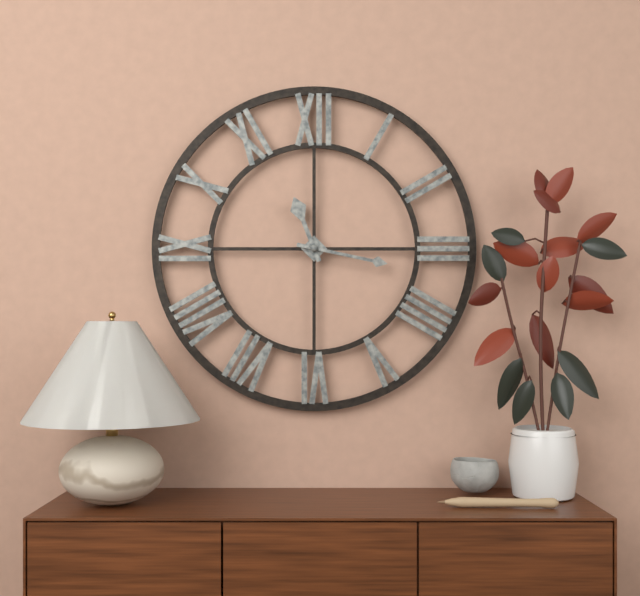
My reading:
11 h 17 min
